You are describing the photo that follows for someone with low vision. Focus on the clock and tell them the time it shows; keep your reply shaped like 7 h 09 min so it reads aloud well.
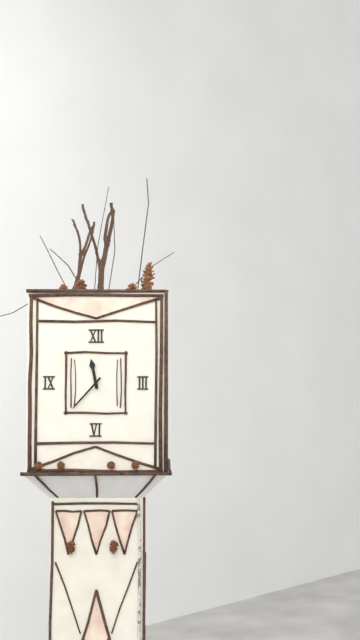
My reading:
11 h 37 min
